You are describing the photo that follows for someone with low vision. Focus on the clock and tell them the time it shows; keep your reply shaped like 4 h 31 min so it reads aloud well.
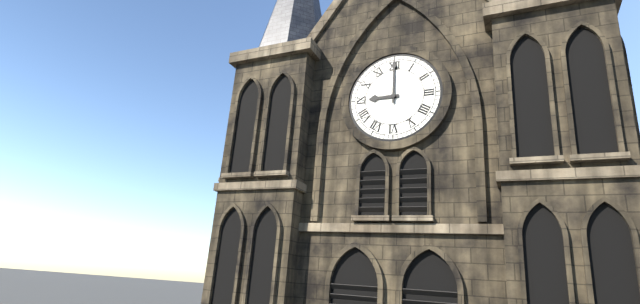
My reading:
9 h 00 min
